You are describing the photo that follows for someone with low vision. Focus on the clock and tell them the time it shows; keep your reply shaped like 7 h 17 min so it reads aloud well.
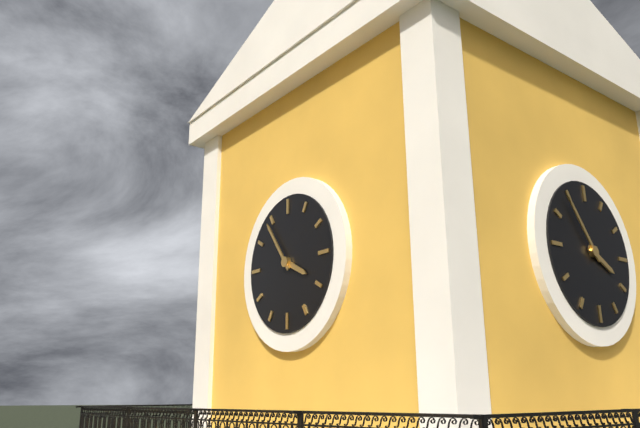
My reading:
3 h 54 min
